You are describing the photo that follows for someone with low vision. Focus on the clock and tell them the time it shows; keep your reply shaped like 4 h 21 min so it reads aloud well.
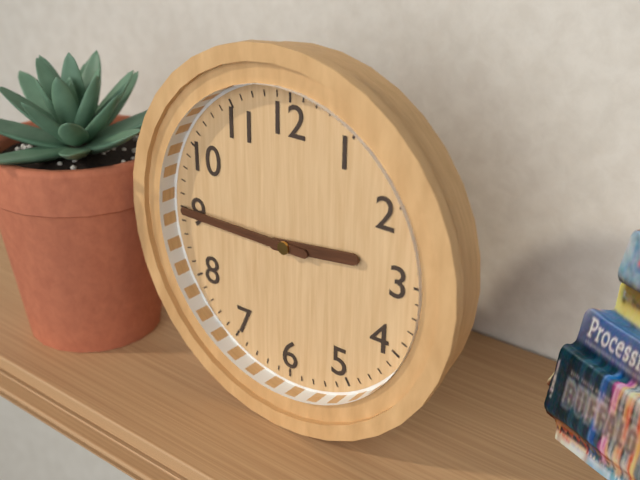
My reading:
2 h 45 min
